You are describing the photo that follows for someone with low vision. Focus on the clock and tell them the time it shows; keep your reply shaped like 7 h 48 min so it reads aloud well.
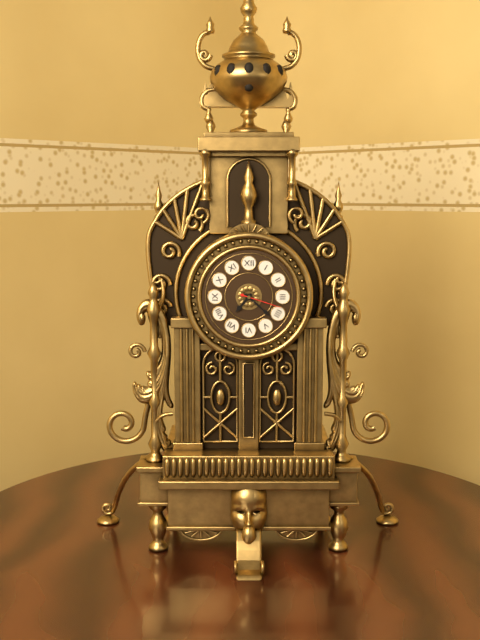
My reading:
7 h 22 min
